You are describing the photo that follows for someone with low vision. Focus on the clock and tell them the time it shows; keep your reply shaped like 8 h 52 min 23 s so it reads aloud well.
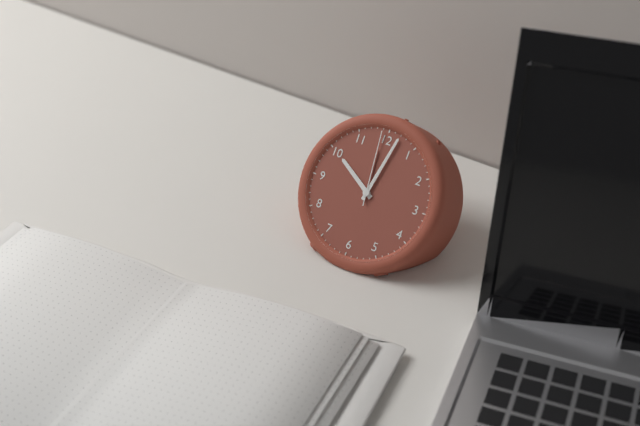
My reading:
10 h 02 min 59 s
